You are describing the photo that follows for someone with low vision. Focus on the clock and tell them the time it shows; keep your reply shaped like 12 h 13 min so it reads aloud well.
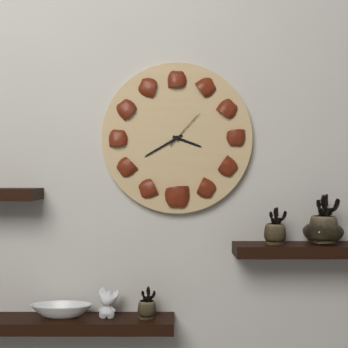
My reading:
3 h 40 min
